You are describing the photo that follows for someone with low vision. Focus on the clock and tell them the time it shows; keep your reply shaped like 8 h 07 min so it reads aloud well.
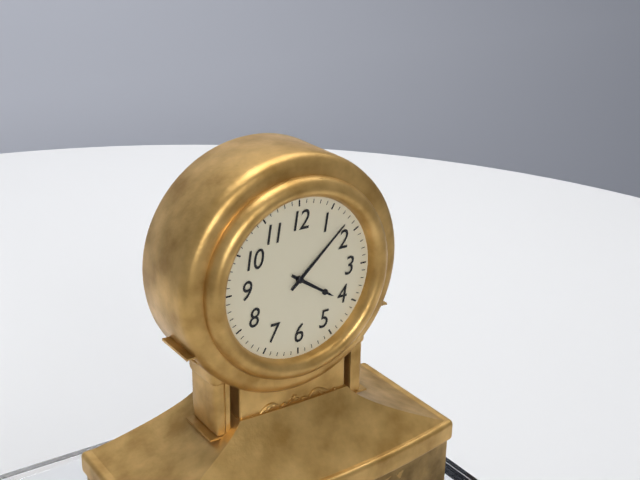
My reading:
4 h 08 min
